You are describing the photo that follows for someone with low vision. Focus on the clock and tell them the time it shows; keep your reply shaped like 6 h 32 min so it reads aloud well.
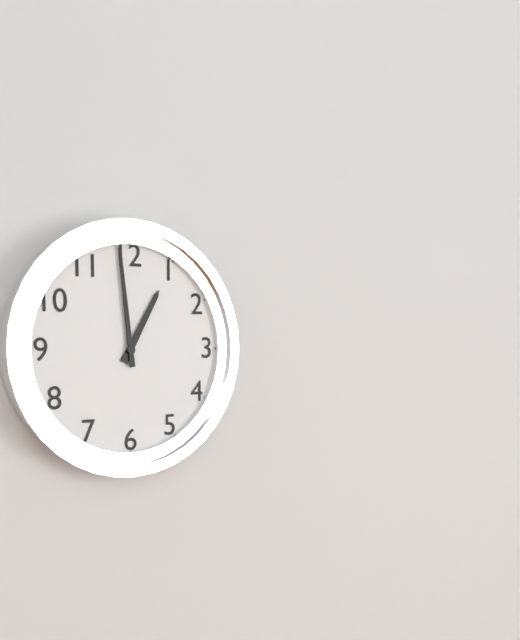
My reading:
12 h 59 min
